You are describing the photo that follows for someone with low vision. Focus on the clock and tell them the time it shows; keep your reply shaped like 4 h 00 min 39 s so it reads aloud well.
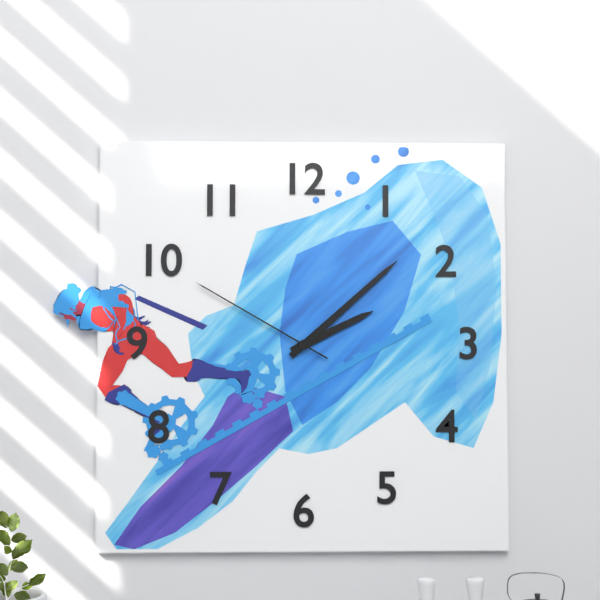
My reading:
2 h 08 min 50 s
